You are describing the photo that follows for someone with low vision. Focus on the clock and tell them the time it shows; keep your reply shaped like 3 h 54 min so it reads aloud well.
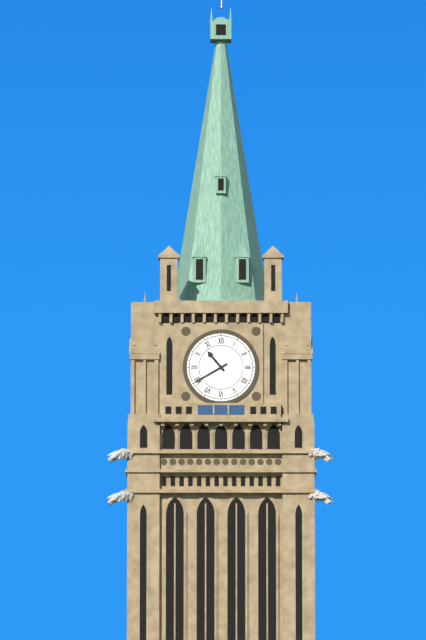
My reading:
10 h 40 min
